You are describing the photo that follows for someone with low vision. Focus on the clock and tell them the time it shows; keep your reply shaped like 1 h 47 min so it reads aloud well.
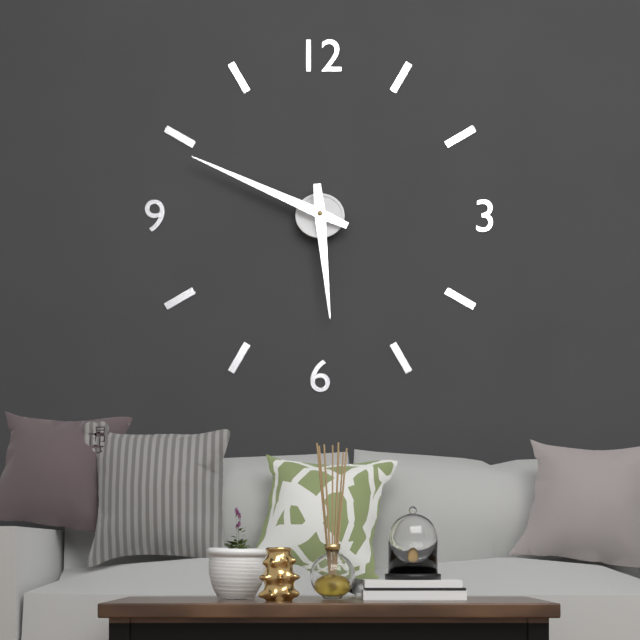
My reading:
5 h 49 min
